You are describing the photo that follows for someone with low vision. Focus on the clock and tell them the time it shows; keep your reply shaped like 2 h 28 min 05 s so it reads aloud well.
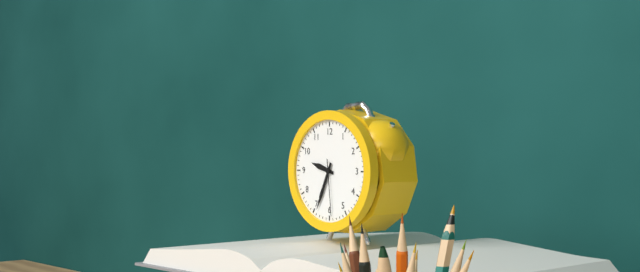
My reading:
9 h 34 min 29 s
